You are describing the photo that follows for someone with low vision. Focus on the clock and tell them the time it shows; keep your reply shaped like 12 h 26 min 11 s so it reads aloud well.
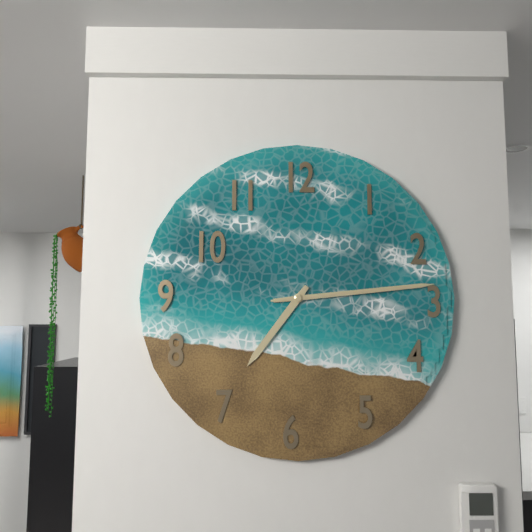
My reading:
7 h 14 min 14 s
